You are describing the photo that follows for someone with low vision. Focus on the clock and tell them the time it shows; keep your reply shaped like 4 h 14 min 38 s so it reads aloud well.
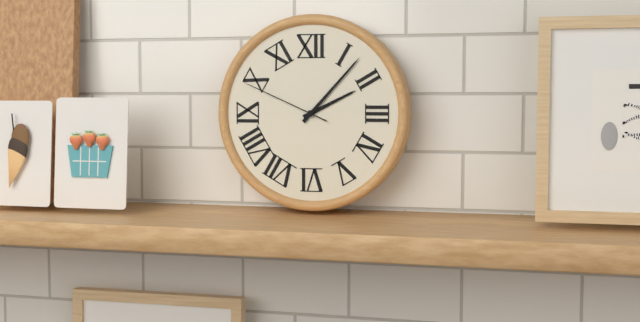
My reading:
2 h 07 min 49 s
